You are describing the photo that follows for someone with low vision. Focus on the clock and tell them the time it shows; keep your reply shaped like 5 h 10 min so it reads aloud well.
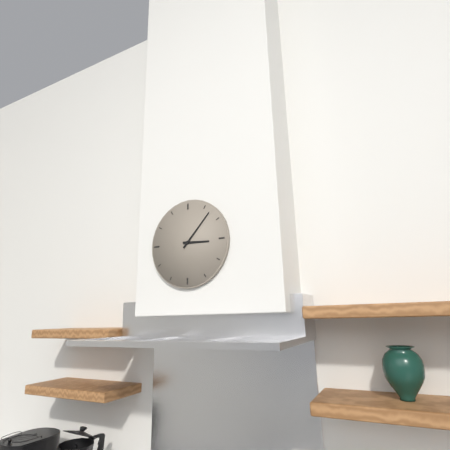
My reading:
3 h 07 min
